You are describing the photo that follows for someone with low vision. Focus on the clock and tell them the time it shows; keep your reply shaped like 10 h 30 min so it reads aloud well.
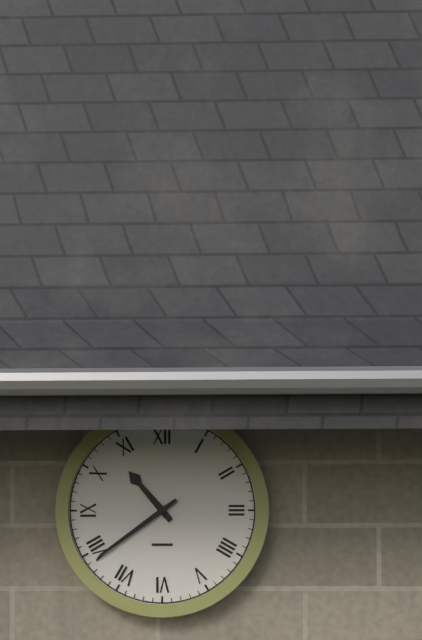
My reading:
10 h 39 min
